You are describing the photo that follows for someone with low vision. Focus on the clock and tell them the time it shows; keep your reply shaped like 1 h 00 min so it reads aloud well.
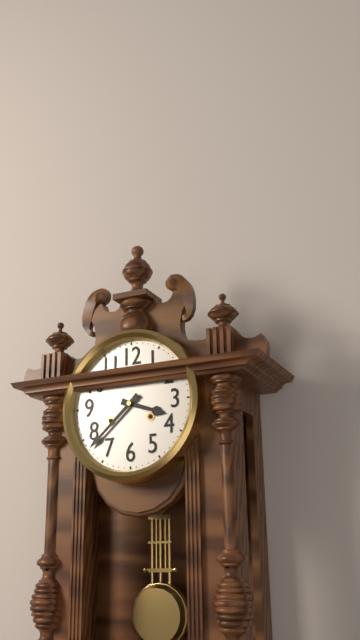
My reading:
3 h 38 min
